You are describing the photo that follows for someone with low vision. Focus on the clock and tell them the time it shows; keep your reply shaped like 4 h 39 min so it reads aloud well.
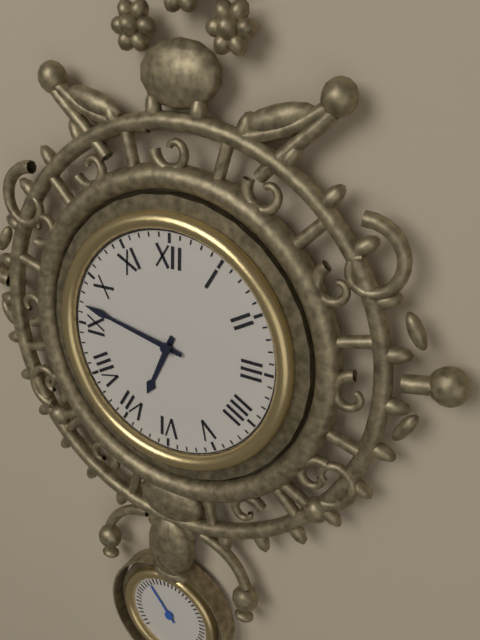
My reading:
6 h 47 min
